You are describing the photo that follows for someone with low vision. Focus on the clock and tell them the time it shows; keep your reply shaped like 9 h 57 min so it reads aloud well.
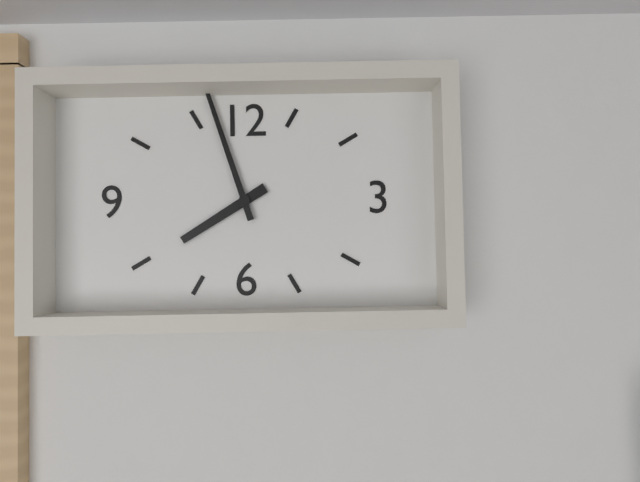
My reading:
7 h 57 min
